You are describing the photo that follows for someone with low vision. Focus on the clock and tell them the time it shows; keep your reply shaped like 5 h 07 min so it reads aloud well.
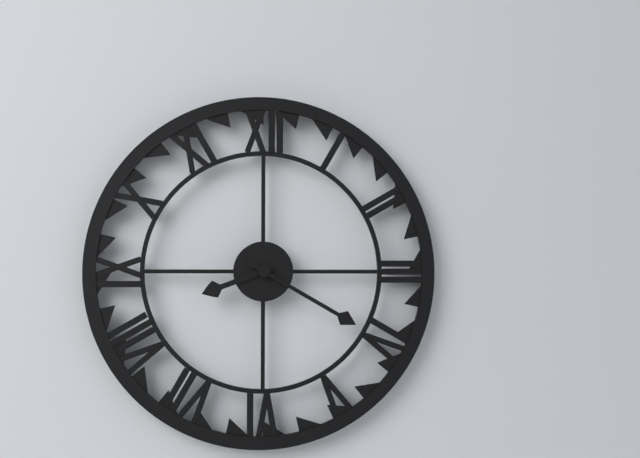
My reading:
8 h 20 min
